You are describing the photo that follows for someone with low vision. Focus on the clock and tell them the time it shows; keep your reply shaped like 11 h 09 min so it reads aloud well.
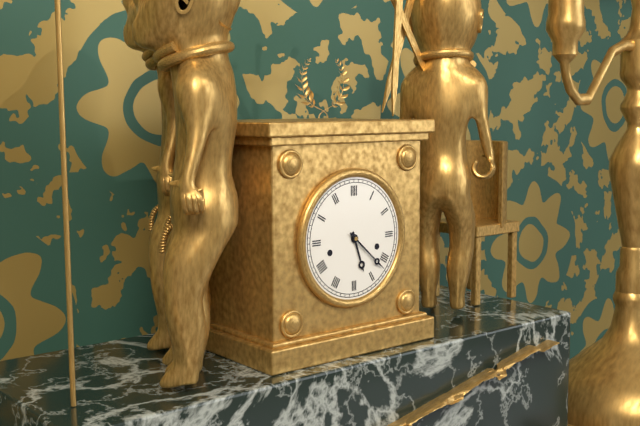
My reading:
5 h 22 min
